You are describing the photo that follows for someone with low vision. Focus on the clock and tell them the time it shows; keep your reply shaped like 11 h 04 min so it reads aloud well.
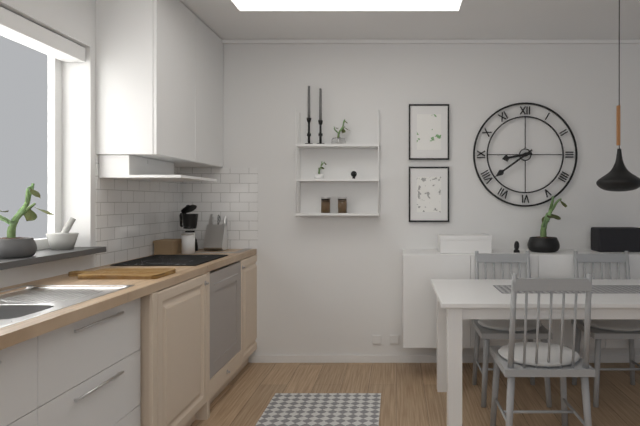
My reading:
8 h 39 min
